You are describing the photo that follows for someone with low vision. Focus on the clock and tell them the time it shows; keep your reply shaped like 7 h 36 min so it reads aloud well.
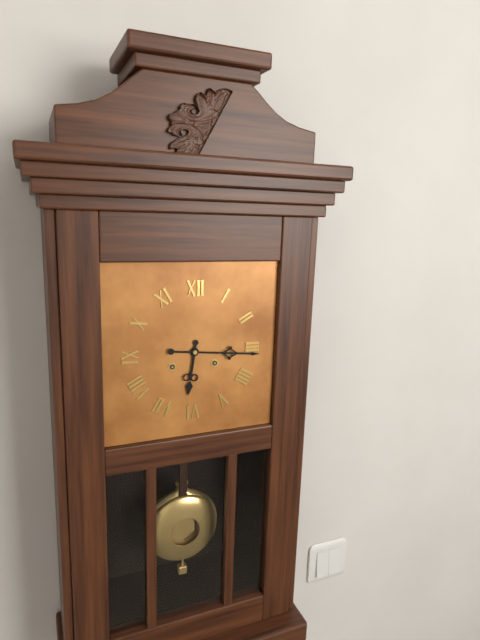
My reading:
6 h 16 min
